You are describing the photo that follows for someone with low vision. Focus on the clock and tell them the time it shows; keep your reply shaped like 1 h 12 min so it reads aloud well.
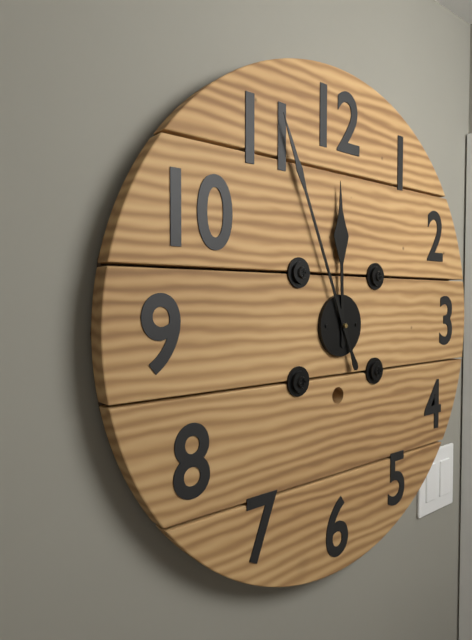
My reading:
11 h 56 min
